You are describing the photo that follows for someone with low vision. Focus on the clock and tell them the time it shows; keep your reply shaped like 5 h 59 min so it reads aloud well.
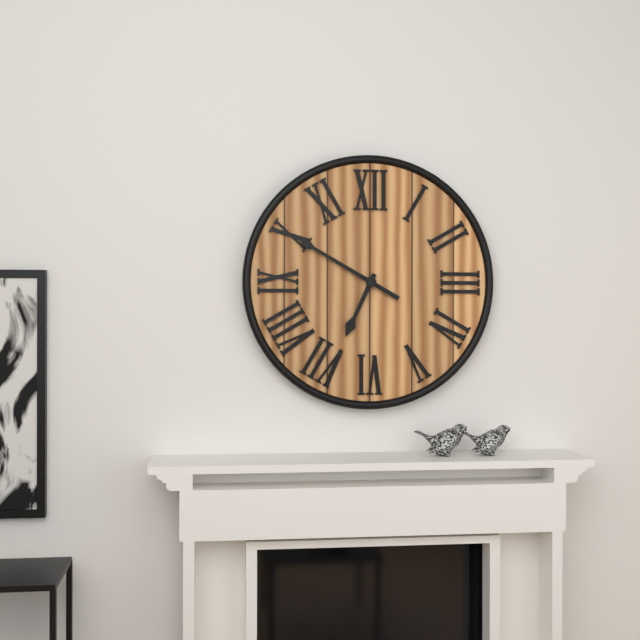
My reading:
6 h 50 min
